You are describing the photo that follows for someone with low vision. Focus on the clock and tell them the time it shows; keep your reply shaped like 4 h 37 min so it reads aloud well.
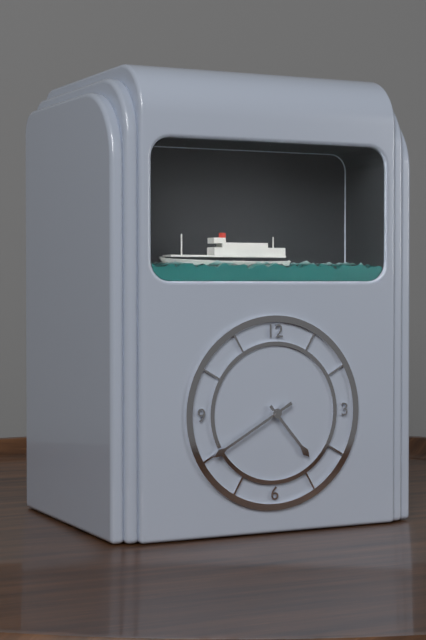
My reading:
4 h 40 min
